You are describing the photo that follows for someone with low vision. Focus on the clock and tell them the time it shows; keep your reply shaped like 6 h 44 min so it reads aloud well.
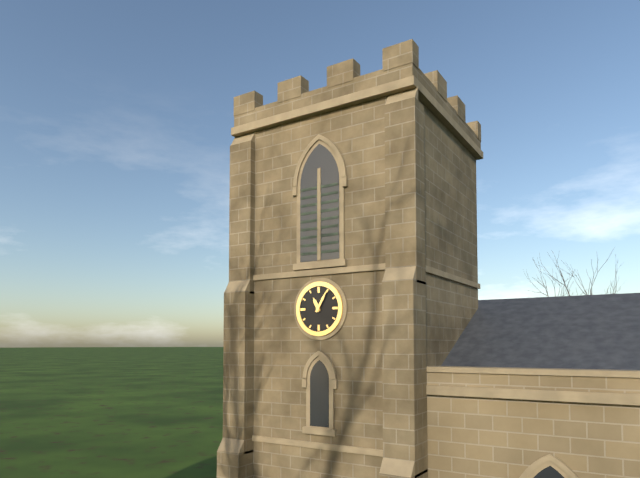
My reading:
11 h 05 min
